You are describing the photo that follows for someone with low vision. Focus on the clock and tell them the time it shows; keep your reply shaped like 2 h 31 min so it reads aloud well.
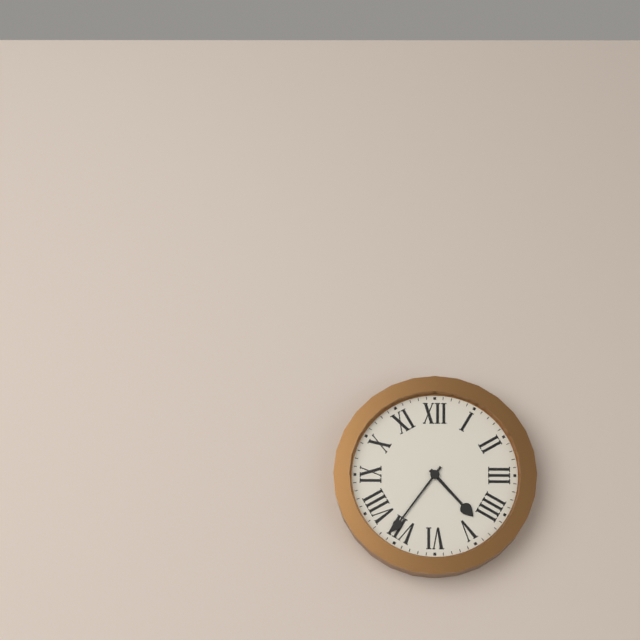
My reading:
4 h 36 min
